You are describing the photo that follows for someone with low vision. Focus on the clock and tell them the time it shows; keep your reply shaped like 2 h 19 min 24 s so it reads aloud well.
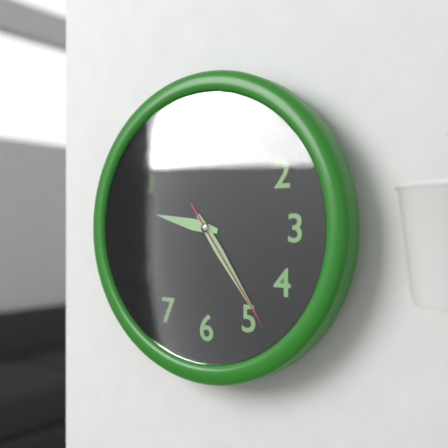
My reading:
9 h 24 min 24 s
